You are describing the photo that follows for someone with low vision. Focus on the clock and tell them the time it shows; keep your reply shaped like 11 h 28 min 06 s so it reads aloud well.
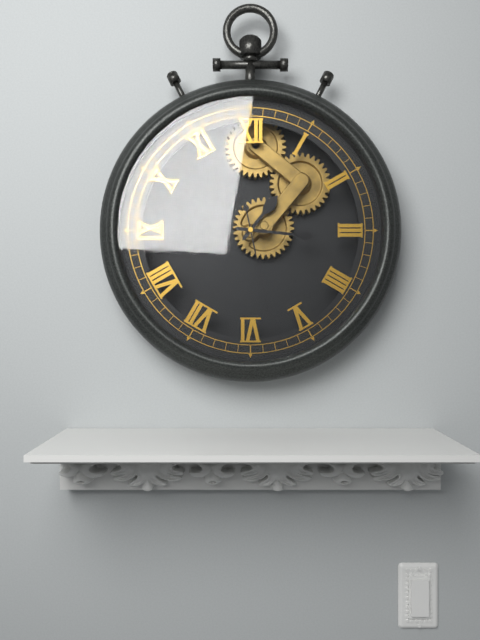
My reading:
1 h 16 min 28 s
